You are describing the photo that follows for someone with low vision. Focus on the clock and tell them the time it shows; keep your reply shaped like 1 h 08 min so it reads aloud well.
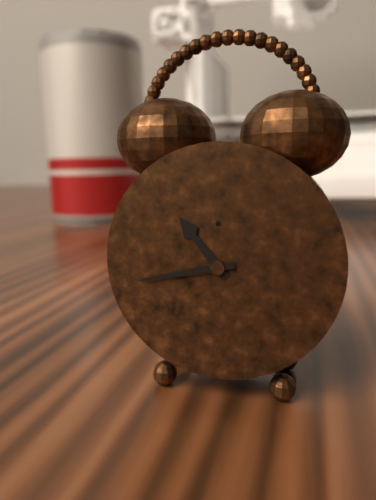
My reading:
10 h 43 min
